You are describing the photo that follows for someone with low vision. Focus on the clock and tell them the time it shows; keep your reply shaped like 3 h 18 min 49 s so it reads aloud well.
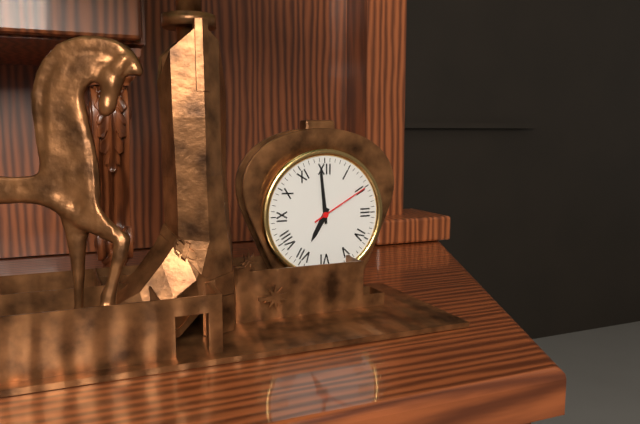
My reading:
6 h 59 min 10 s
